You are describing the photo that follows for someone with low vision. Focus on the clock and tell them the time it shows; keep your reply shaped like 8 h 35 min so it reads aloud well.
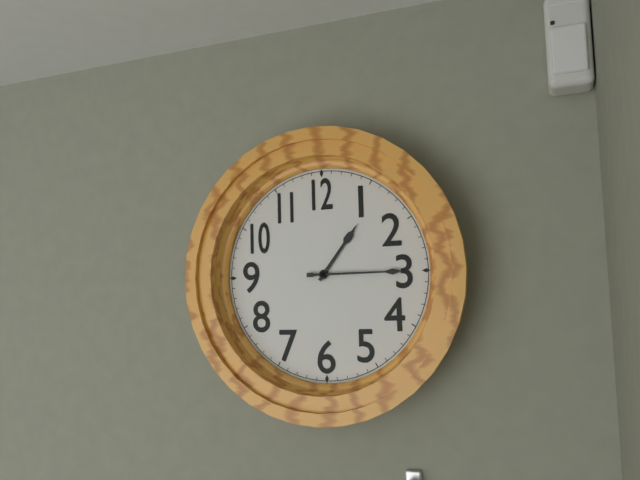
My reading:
1 h 15 min
